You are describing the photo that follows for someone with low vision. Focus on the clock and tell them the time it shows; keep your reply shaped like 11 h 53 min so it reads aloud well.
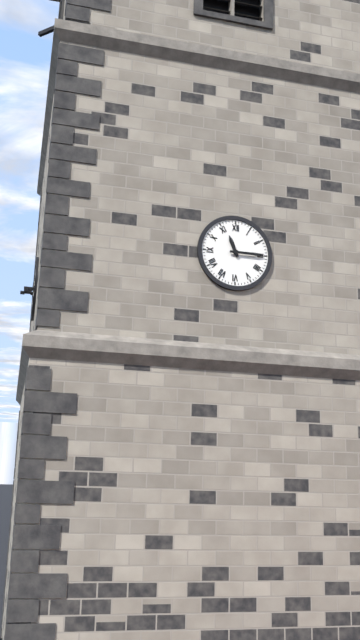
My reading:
11 h 15 min
